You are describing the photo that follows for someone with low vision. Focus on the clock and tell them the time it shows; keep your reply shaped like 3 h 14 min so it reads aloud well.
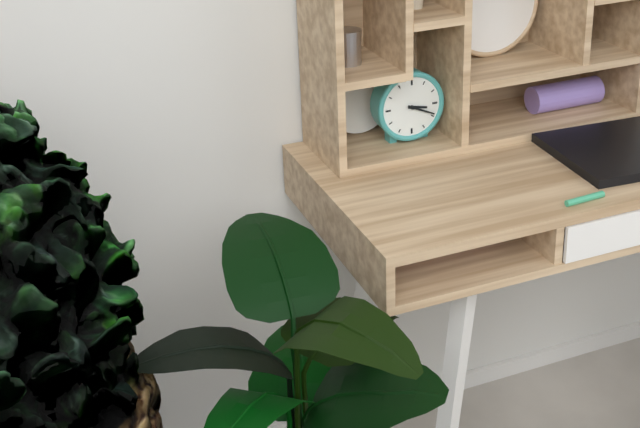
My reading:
3 h 19 min
